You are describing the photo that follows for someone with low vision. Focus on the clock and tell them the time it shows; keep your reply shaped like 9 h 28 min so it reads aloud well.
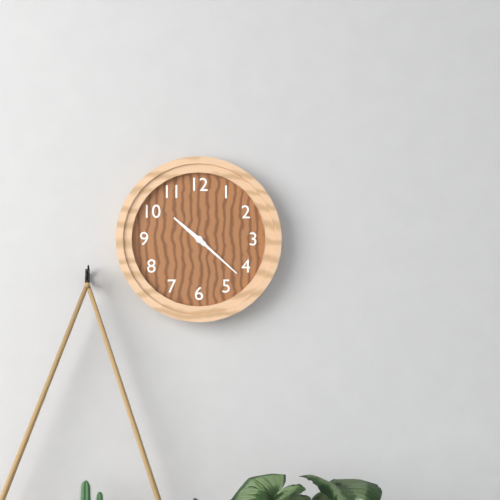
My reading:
10 h 22 min
